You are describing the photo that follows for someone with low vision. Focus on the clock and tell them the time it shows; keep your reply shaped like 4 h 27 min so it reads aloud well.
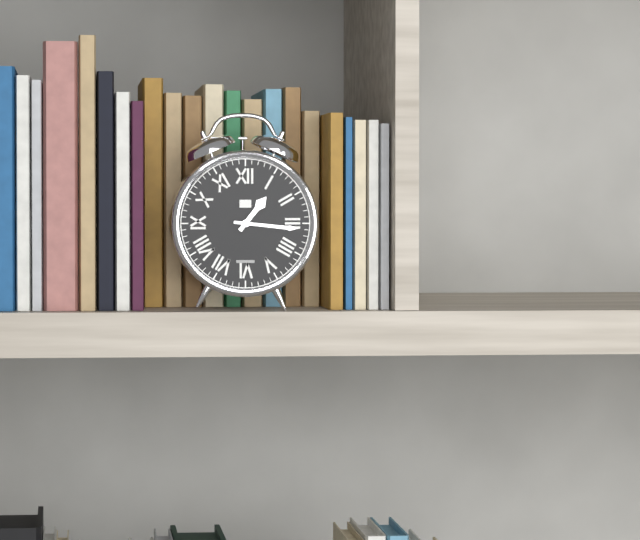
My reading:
1 h 16 min
